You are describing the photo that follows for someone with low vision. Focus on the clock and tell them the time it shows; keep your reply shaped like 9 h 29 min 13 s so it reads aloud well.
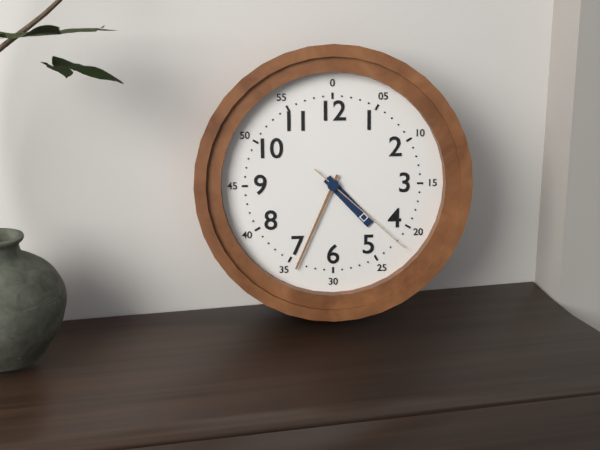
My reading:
4 h 34 min 22 s
